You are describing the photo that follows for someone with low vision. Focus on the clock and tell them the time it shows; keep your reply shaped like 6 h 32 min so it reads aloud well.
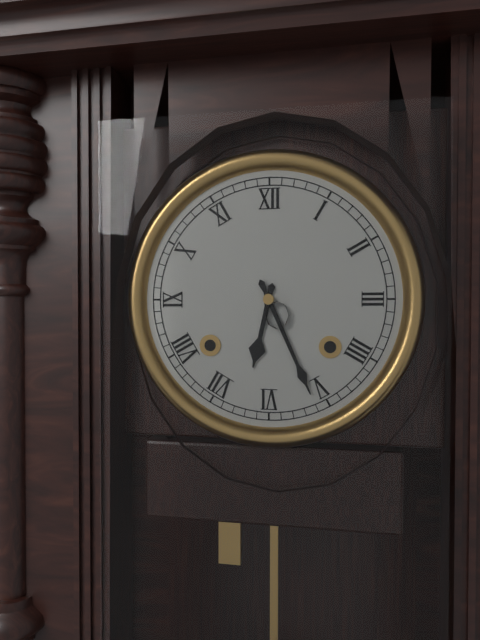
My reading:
6 h 26 min
